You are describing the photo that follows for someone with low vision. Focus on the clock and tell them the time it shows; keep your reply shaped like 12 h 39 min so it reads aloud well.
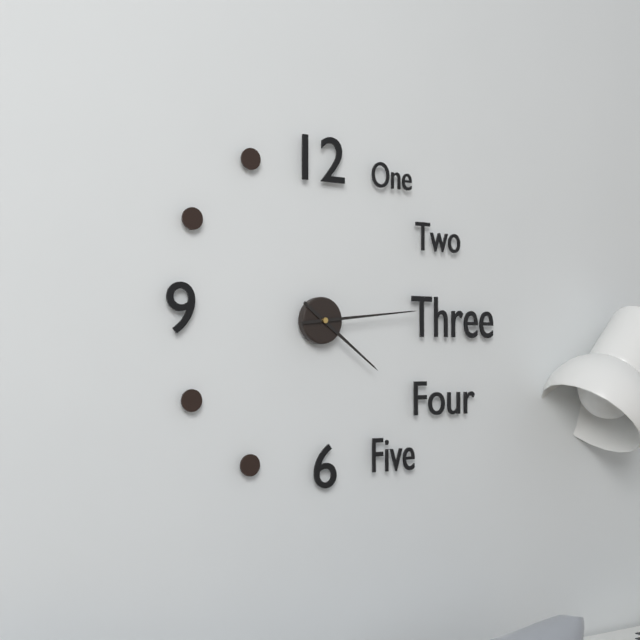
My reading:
4 h 14 min
